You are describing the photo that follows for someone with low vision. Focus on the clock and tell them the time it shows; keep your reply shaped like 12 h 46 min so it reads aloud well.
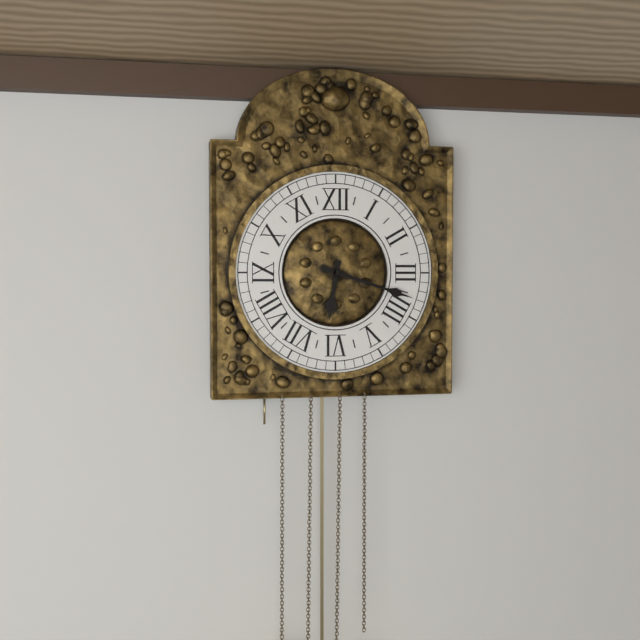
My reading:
6 h 18 min
